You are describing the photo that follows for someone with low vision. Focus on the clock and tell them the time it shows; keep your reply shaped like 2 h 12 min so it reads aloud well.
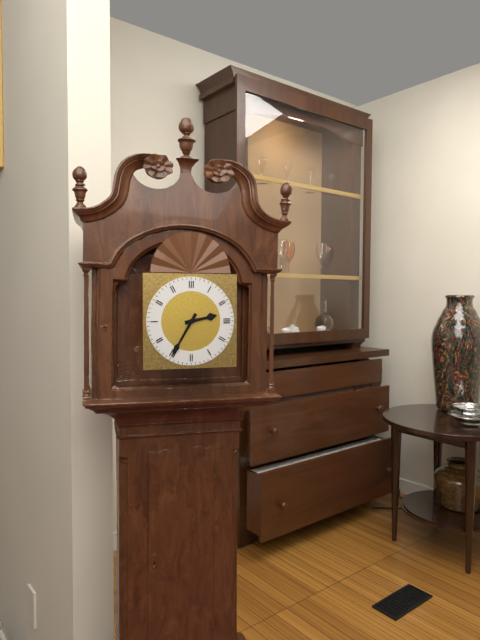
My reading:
2 h 35 min
